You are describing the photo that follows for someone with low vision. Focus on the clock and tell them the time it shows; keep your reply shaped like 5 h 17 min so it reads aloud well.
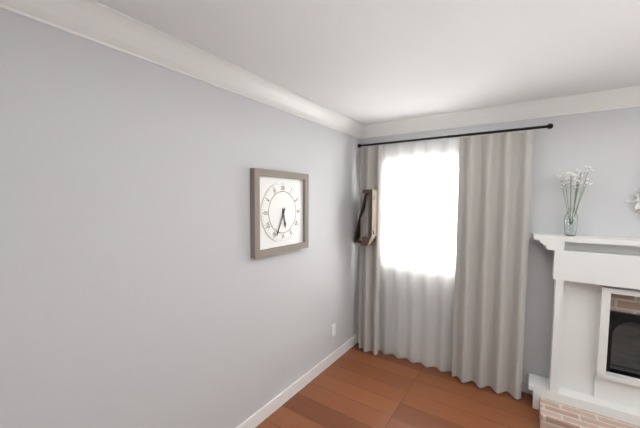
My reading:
5 h 34 min
